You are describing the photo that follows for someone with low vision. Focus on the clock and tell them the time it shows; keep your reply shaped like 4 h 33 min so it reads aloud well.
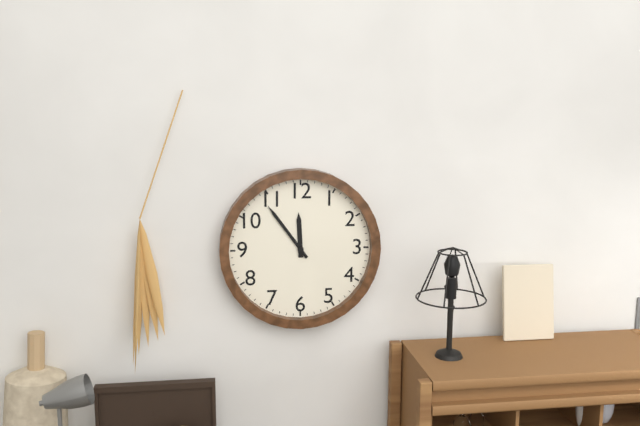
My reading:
11 h 54 min
